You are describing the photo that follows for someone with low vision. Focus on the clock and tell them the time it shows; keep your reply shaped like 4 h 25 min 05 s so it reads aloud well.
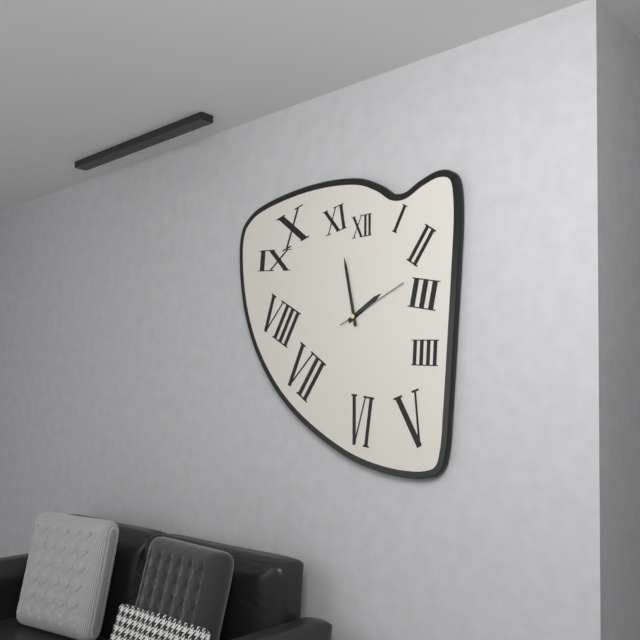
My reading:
1 h 58 min 11 s
